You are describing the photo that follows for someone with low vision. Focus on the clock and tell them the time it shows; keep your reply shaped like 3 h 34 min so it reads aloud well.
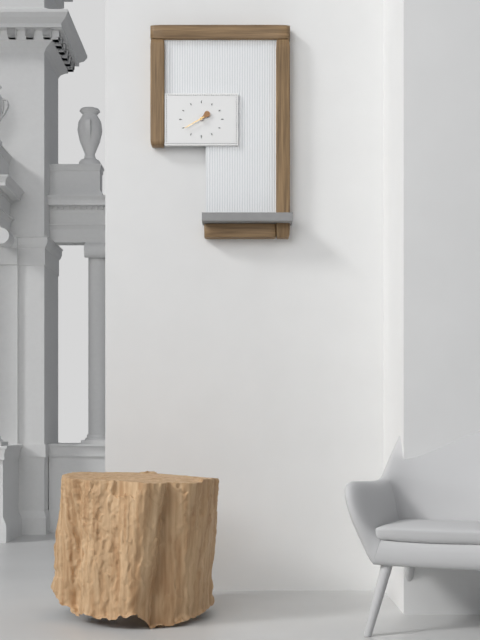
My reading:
1 h 40 min
